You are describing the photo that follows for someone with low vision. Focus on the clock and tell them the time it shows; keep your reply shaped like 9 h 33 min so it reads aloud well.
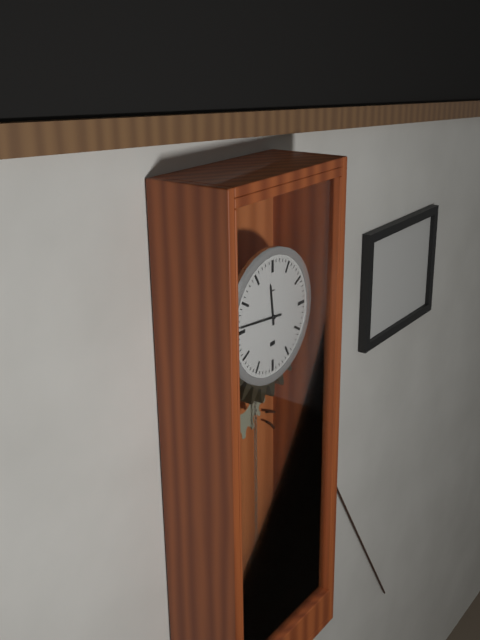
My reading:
11 h 46 min
